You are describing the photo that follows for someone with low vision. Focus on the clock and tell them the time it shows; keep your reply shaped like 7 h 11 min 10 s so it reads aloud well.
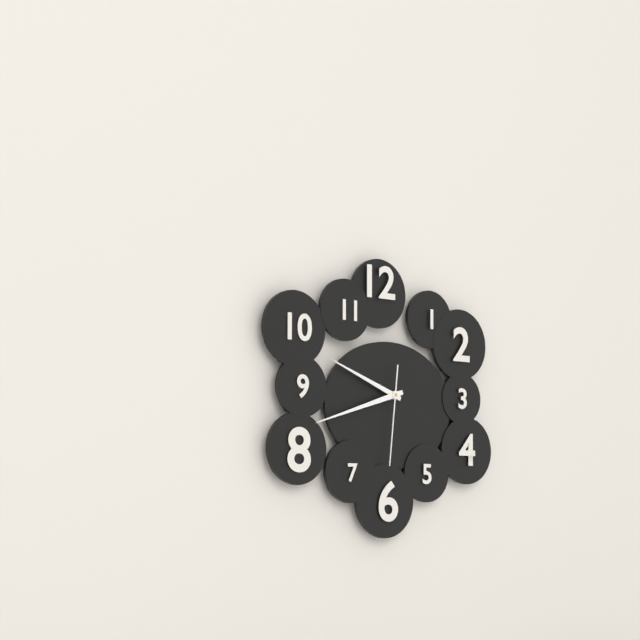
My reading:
9 h 42 min 31 s
